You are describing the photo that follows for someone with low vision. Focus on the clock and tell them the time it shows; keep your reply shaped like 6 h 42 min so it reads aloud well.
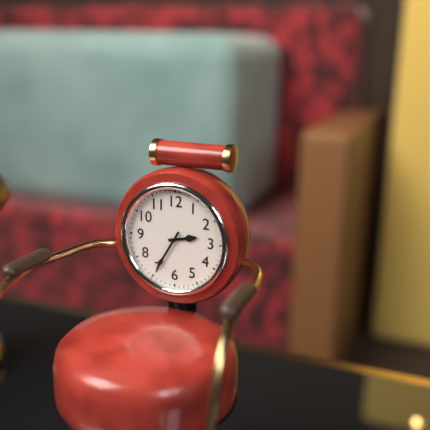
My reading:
2 h 35 min
